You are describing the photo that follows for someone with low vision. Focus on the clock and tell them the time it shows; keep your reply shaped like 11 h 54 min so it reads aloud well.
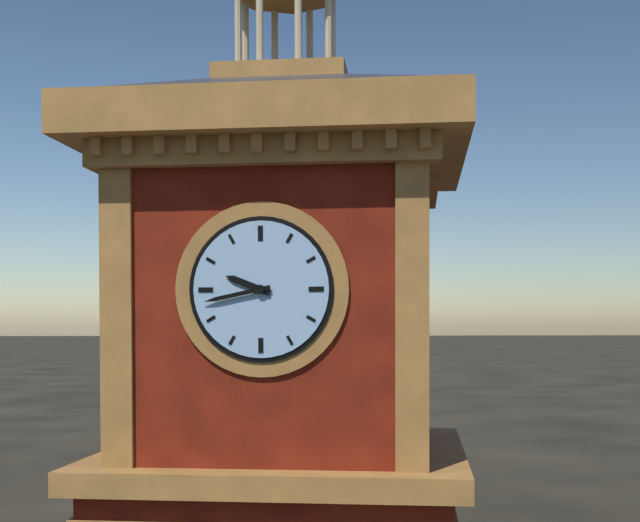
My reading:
9 h 43 min
